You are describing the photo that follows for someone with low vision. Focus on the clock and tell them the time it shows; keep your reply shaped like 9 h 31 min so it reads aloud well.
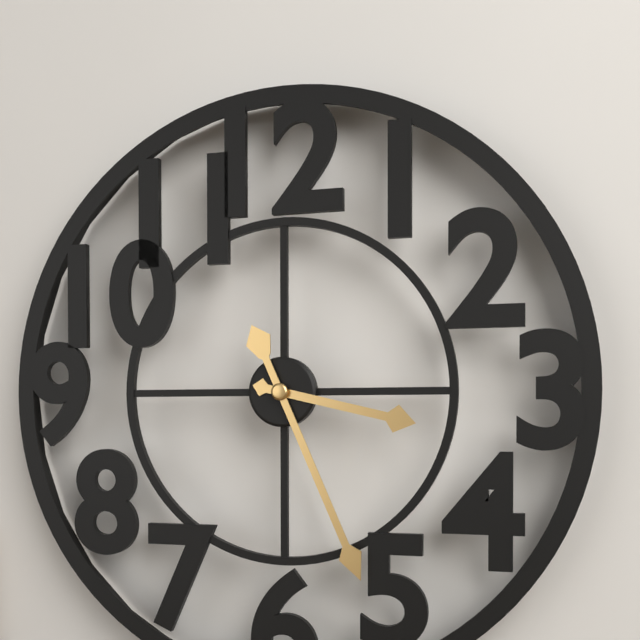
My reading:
3 h 26 min
